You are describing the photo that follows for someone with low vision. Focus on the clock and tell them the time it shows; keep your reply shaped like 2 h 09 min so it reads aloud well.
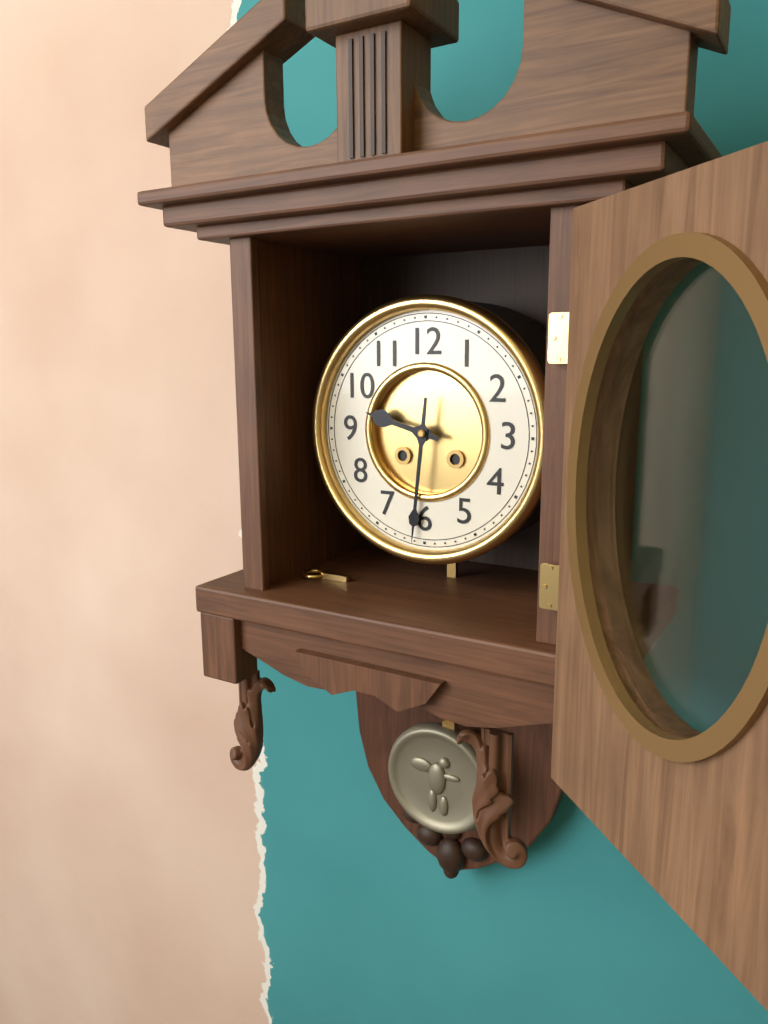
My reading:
9 h 31 min
